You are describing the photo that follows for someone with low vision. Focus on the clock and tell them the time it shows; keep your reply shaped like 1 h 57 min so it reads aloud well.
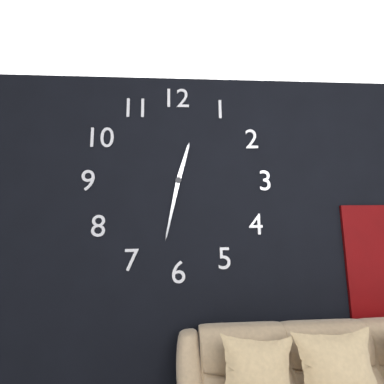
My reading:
12 h 32 min
